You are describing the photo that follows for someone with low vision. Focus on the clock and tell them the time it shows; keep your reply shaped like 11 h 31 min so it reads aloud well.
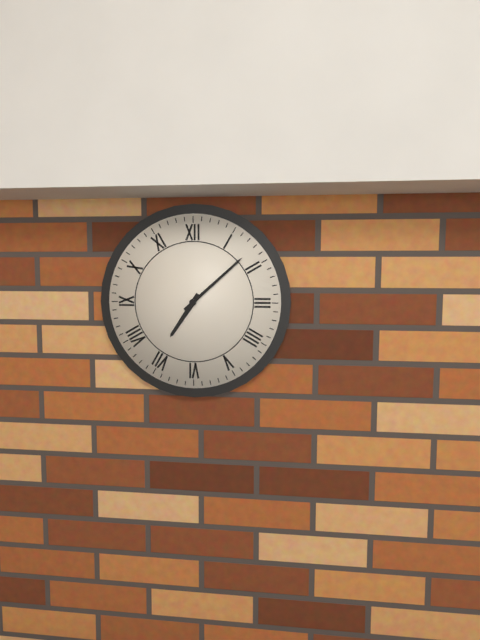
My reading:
7 h 08 min
